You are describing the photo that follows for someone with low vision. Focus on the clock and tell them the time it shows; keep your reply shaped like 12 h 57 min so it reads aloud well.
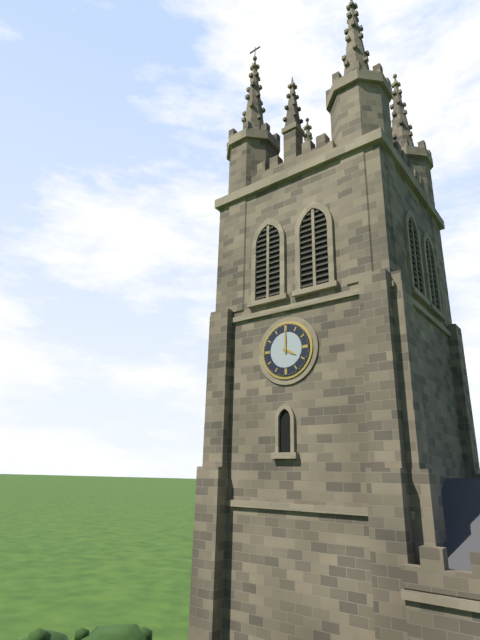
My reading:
4 h 00 min
